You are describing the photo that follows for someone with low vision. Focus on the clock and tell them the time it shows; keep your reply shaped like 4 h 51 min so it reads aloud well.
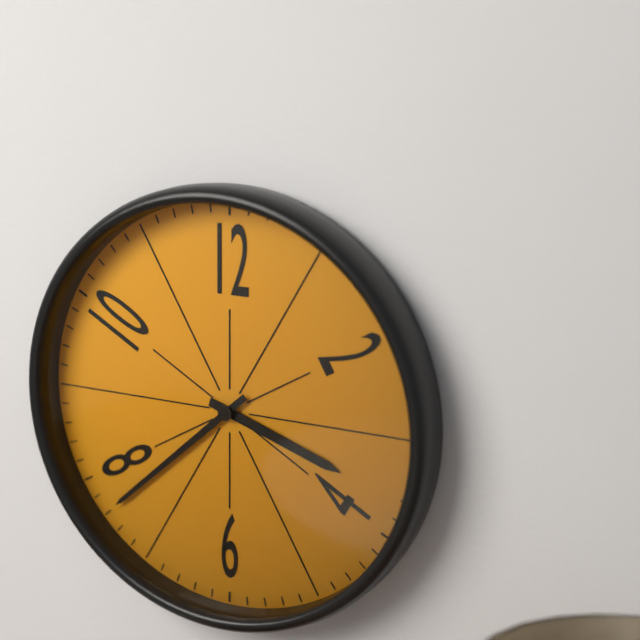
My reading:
3 h 38 min
